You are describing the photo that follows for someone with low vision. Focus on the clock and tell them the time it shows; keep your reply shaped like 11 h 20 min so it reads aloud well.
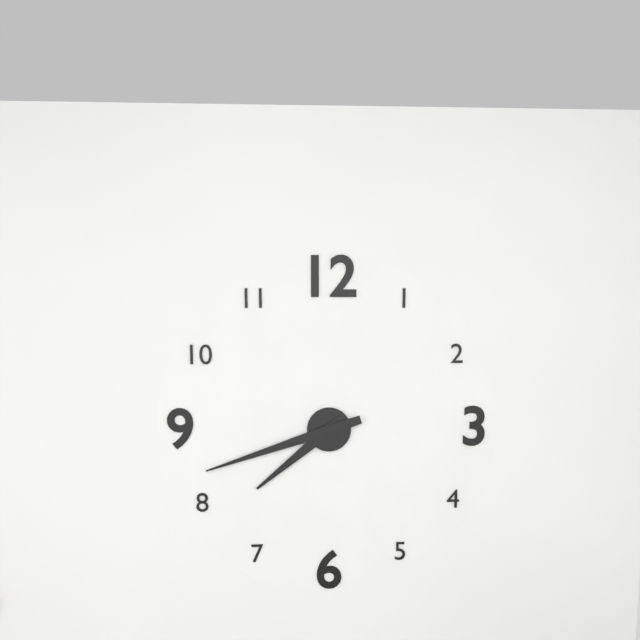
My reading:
7 h 42 min
